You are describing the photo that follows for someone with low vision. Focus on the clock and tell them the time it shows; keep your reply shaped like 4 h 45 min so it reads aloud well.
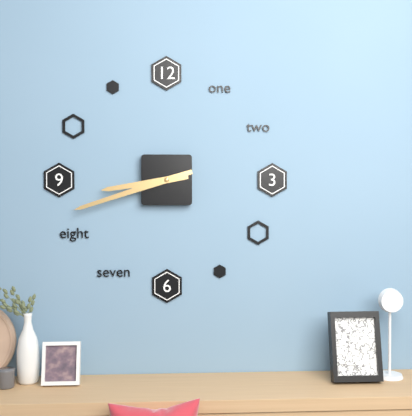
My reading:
8 h 42 min
